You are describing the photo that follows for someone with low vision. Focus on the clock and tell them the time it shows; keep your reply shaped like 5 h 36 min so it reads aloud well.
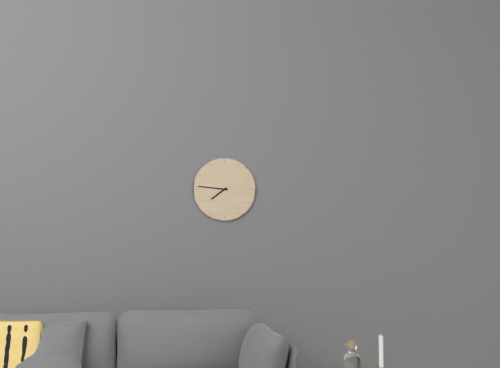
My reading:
7 h 46 min
